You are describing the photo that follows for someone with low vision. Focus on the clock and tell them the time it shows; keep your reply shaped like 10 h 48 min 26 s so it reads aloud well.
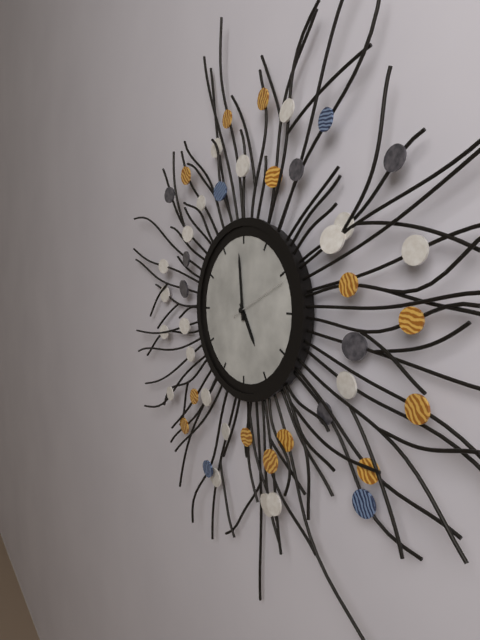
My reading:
4 h 59 min 11 s
